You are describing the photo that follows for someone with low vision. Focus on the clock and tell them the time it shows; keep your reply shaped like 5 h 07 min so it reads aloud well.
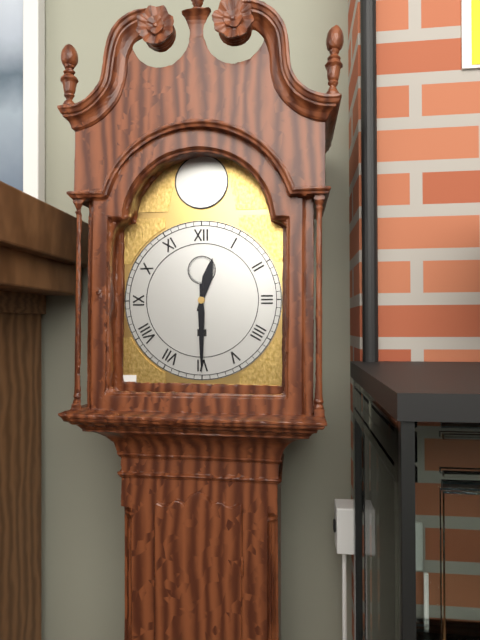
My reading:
12 h 30 min
